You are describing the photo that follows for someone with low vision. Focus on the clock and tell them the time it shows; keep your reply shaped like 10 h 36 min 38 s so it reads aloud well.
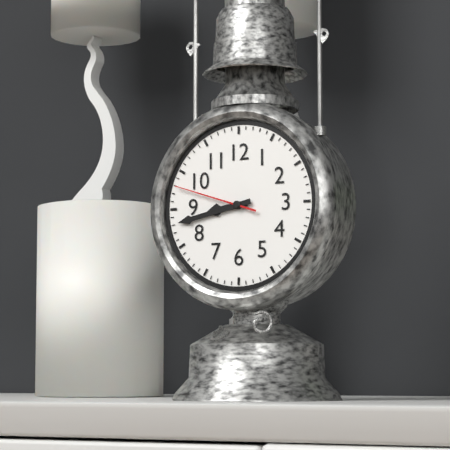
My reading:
8 h 43 min 48 s
